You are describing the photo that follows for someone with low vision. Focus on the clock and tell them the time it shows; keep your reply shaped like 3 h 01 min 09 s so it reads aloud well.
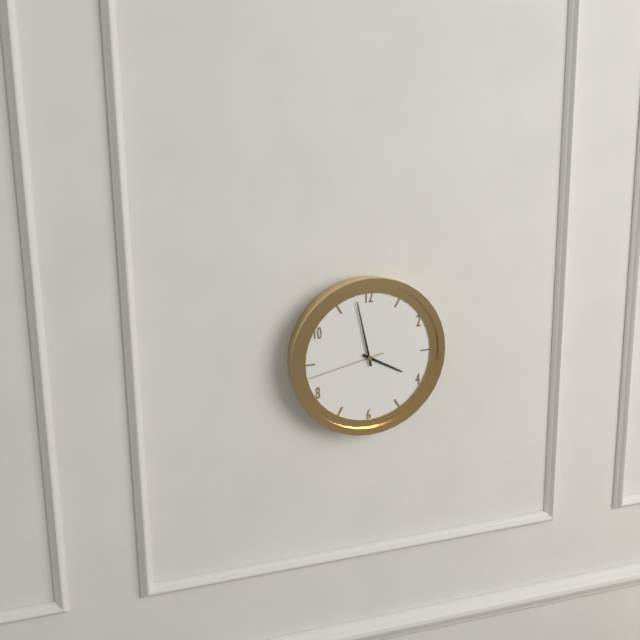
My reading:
3 h 58 min 43 s
